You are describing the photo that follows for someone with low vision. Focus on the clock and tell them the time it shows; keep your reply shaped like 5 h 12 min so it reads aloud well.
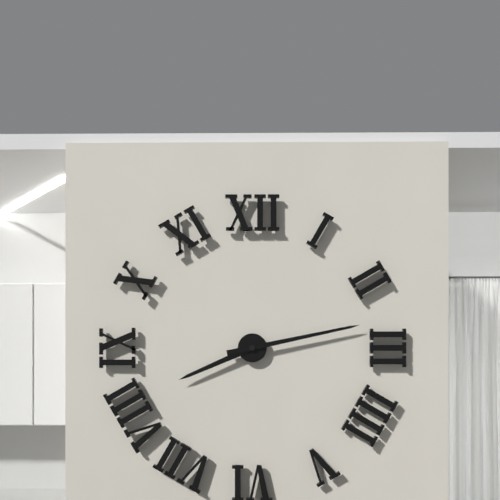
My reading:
8 h 13 min
